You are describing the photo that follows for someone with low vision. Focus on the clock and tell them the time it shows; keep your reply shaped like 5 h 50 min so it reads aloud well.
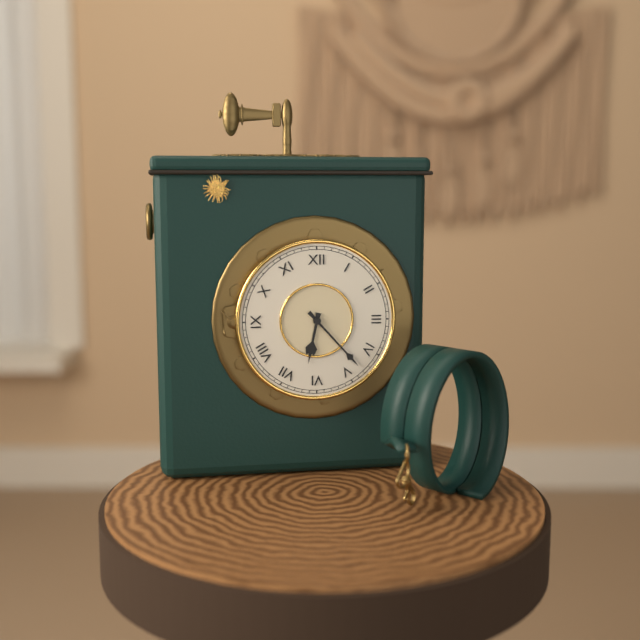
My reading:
6 h 23 min
